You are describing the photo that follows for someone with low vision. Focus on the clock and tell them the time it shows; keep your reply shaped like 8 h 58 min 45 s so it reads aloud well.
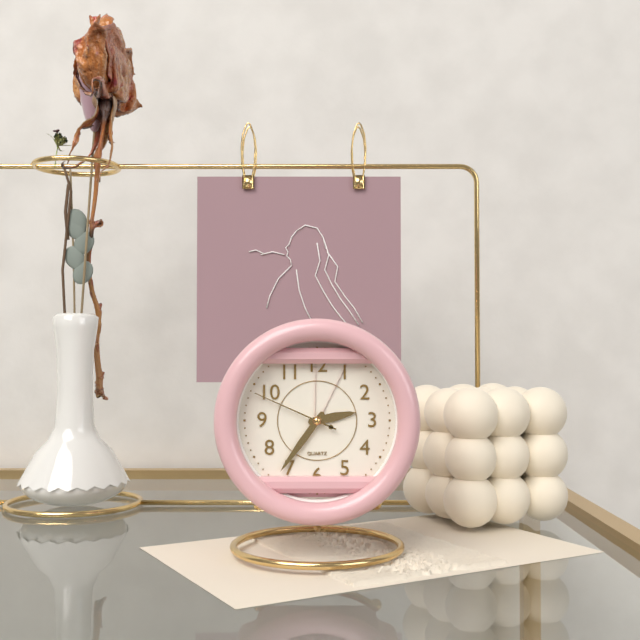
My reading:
2 h 36 min 49 s
